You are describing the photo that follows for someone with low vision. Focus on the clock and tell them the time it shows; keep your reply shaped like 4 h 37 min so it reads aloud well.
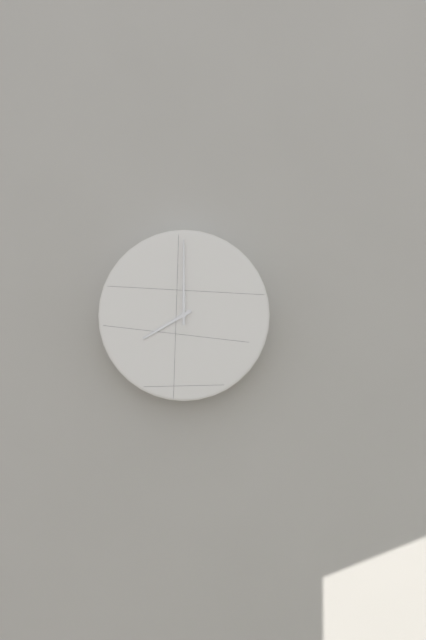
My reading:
8 h 00 min
